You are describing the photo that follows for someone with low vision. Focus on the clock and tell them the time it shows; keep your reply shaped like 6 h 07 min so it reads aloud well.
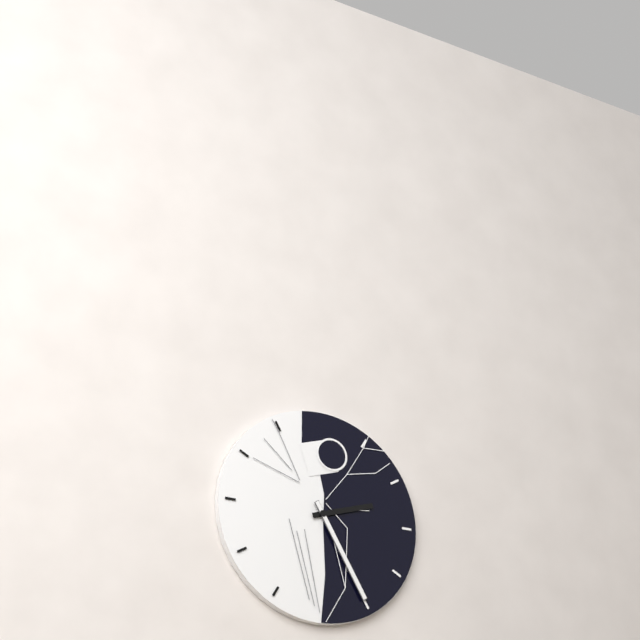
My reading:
2 h 25 min
